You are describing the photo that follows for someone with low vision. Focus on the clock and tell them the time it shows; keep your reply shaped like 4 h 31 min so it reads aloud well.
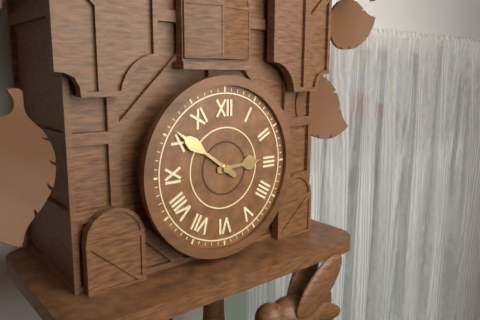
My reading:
2 h 51 min
